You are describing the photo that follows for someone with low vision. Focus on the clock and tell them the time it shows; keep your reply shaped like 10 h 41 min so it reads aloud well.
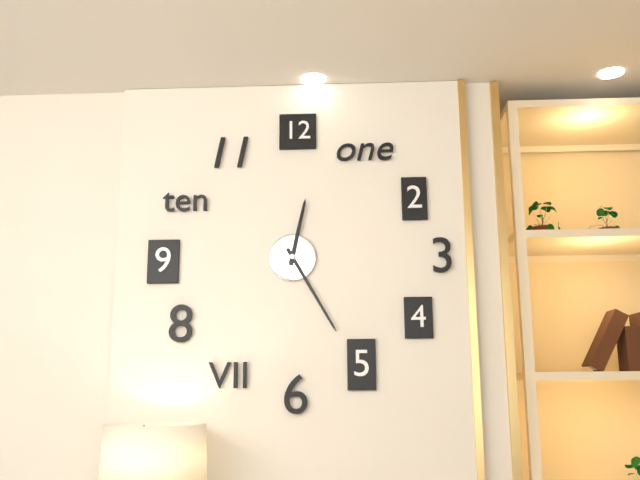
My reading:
12 h 25 min
